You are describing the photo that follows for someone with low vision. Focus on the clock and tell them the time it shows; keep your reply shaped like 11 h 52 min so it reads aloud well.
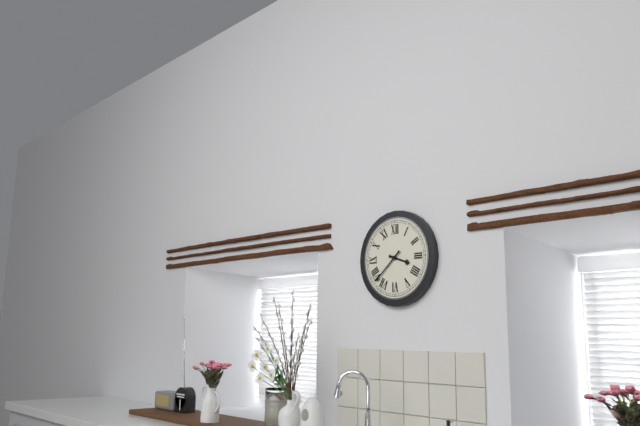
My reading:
3 h 38 min
